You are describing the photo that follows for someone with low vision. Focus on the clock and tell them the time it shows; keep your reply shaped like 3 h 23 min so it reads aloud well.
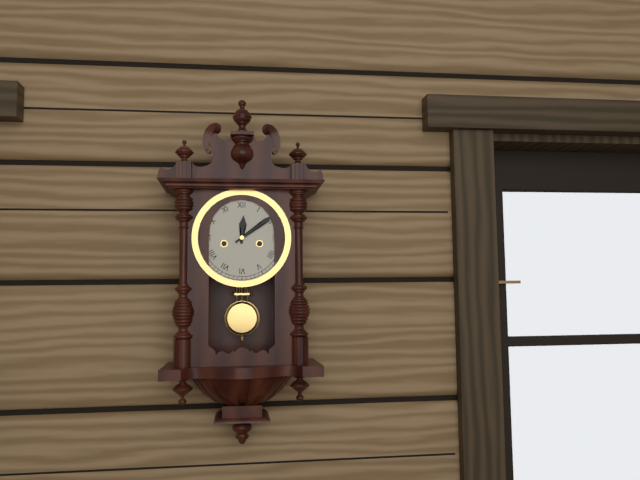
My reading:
12 h 09 min
